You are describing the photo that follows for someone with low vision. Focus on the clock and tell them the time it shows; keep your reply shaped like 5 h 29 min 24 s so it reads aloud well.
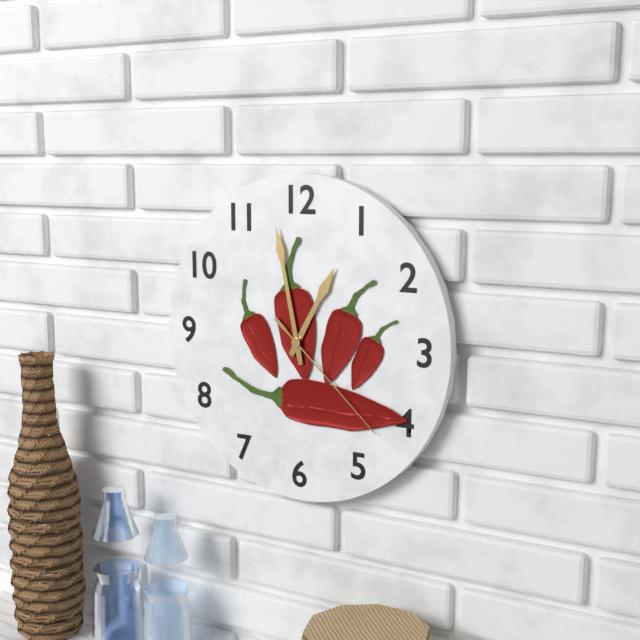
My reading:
12 h 58 min 22 s
